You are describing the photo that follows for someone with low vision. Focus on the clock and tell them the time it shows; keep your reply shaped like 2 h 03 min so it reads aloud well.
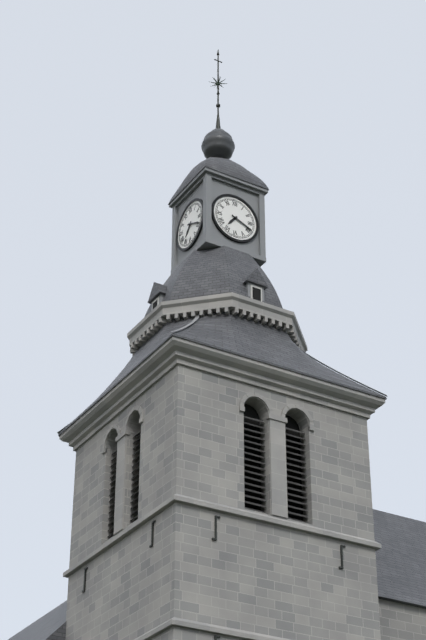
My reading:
7 h 19 min
